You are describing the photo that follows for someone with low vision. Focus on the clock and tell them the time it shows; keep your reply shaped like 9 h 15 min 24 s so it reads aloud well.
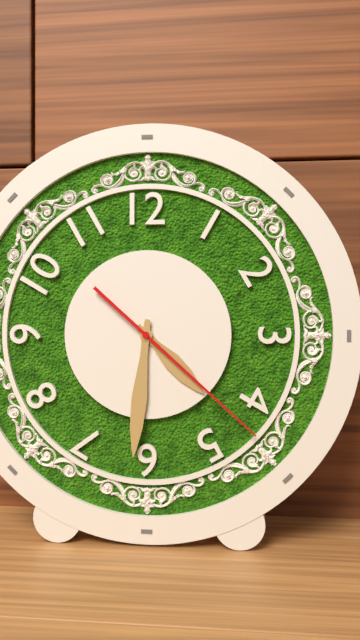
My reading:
4 h 31 min 22 s
